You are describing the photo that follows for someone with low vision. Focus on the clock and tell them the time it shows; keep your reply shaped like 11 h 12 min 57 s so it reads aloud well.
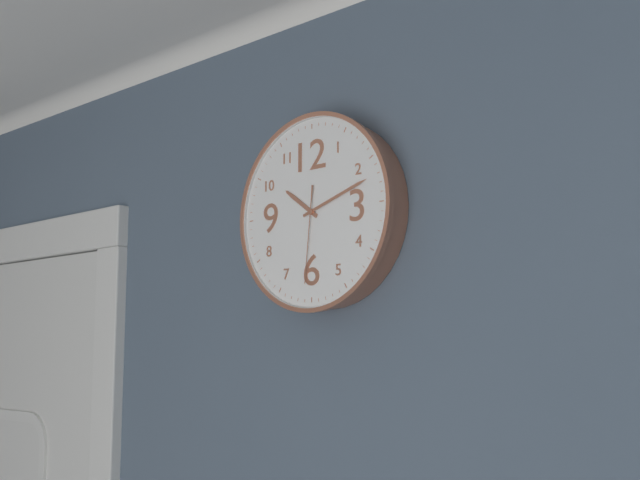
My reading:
10 h 12 min 31 s
